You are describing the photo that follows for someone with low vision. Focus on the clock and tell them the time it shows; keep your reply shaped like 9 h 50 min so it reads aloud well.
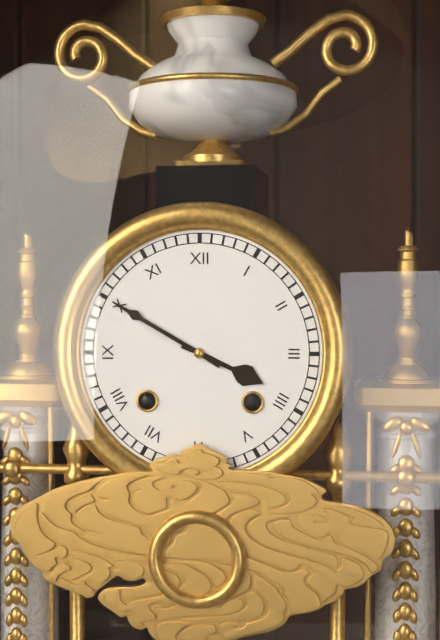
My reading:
3 h 50 min
